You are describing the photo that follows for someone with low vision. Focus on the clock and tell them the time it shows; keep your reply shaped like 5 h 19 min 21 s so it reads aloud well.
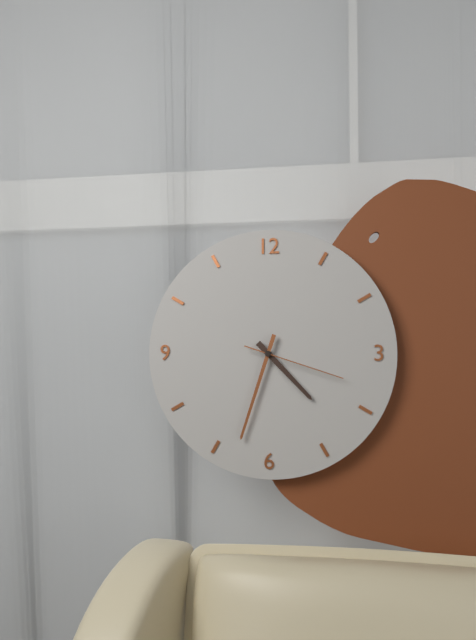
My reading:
4 h 33 min 18 s
